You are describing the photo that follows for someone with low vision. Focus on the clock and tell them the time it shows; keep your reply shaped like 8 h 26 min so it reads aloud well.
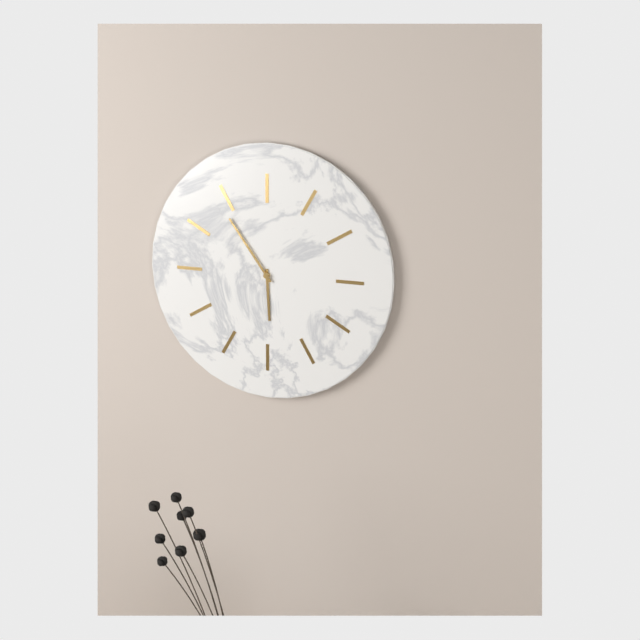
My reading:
5 h 54 min
